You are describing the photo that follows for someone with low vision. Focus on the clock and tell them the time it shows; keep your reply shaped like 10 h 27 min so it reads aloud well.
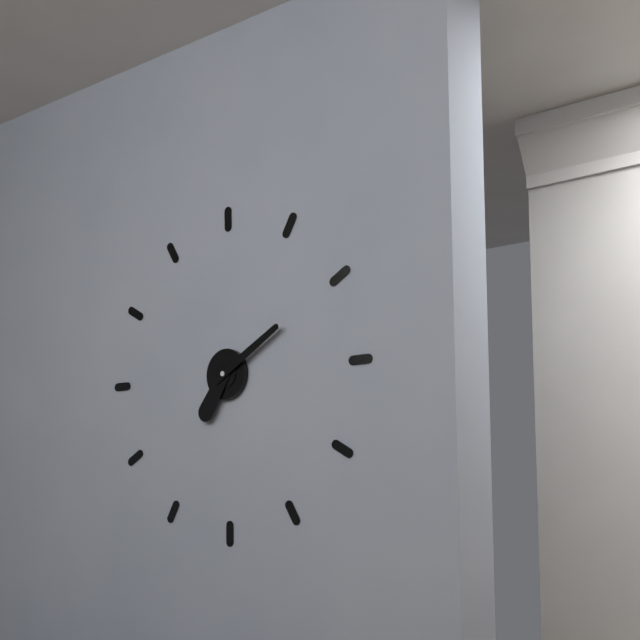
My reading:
7 h 10 min
